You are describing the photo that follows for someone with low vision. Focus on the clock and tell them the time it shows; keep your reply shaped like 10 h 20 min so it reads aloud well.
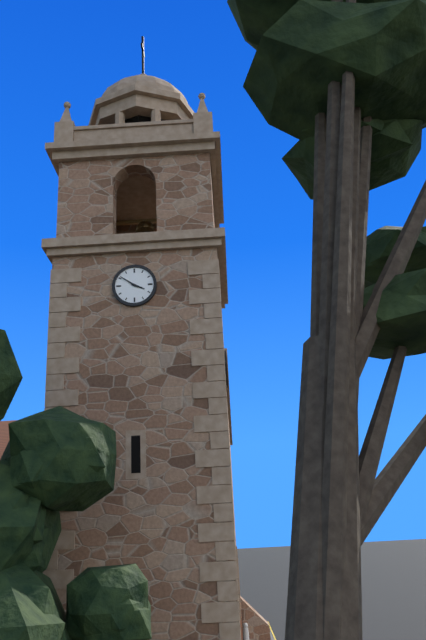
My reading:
3 h 51 min
